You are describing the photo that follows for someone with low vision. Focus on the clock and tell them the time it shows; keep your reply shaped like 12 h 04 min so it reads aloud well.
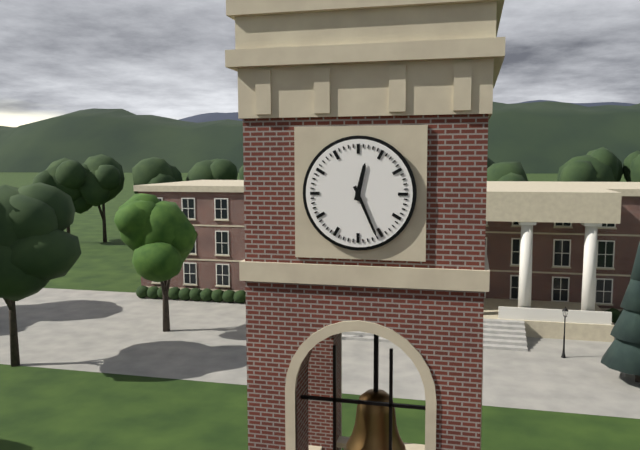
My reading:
12 h 26 min
